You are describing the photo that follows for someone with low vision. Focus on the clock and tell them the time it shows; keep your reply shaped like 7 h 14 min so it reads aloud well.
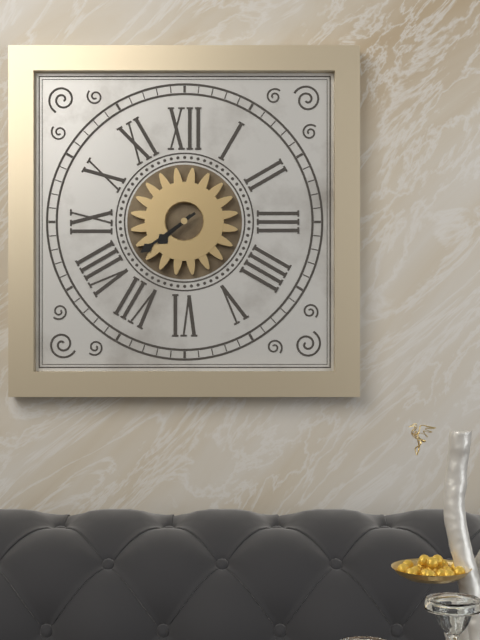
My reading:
7 h 39 min
